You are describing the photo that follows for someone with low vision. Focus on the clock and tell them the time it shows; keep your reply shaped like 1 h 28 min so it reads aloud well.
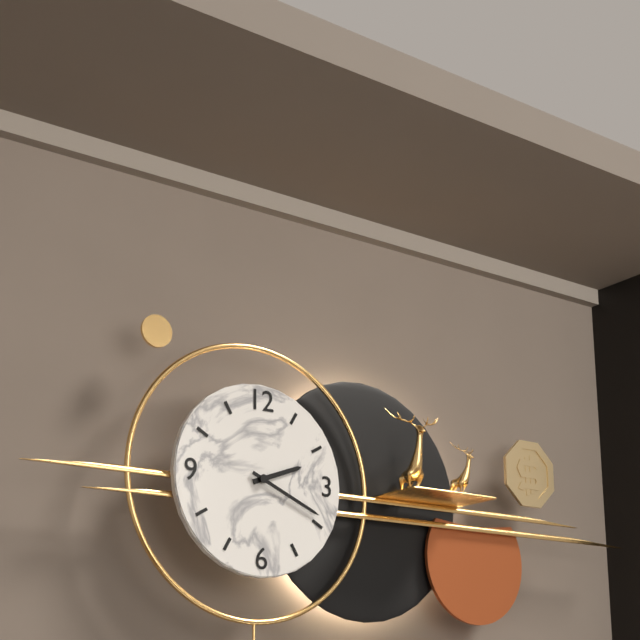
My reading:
2 h 19 min
